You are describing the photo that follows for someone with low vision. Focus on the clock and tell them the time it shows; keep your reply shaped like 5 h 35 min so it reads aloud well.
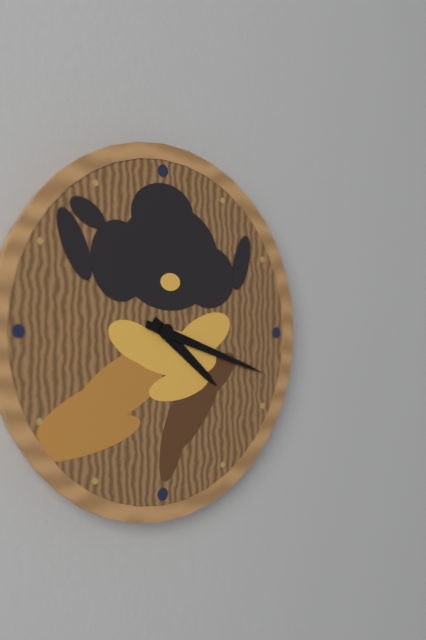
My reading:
4 h 18 min
